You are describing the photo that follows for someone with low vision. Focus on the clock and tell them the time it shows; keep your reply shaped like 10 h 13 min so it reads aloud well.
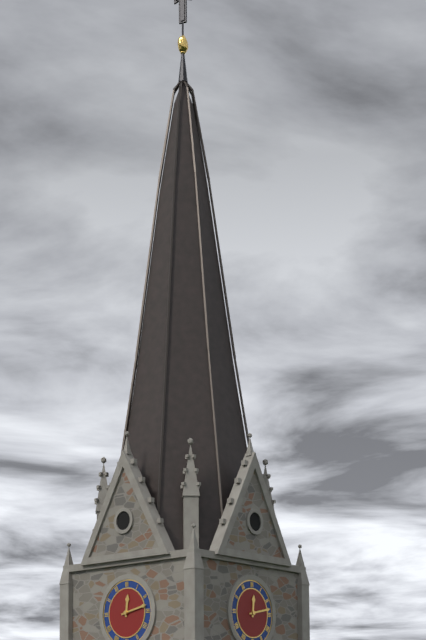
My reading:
12 h 13 min
